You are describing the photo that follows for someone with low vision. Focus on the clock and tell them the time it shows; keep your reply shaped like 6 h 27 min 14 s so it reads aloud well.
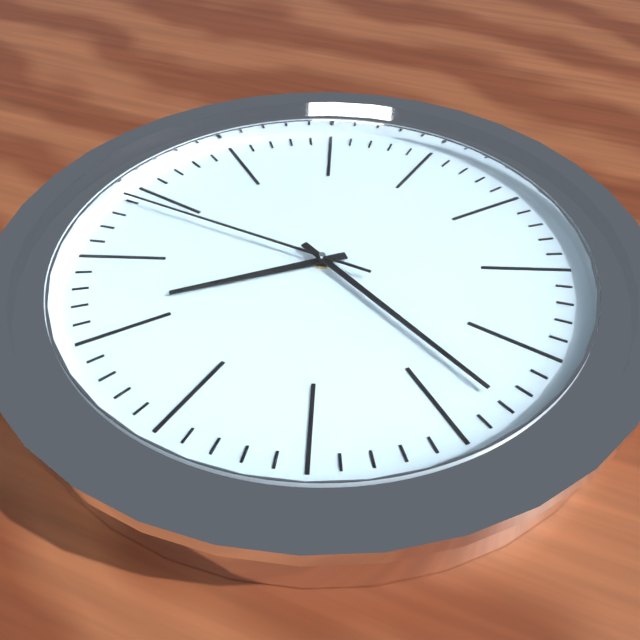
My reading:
7 h 18 min 44 s
